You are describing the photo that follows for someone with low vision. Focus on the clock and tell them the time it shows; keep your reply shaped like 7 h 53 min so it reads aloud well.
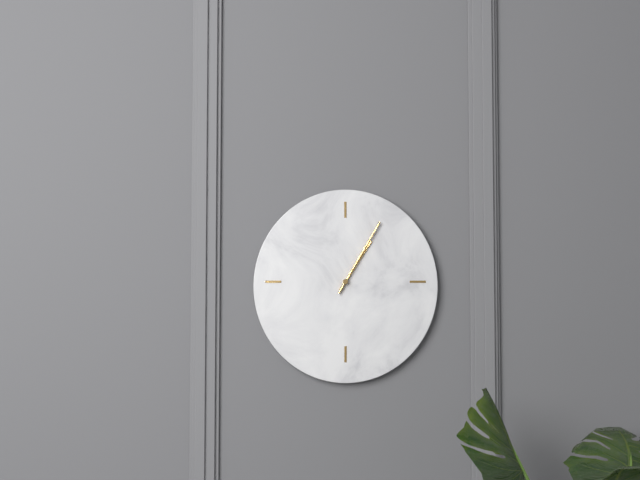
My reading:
1 h 05 min
